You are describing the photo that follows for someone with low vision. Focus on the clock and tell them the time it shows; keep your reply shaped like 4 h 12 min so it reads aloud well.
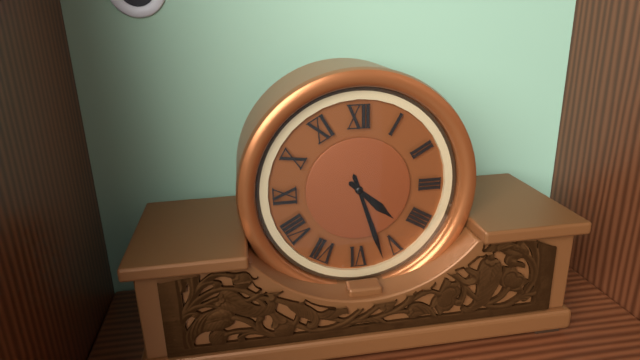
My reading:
4 h 27 min
